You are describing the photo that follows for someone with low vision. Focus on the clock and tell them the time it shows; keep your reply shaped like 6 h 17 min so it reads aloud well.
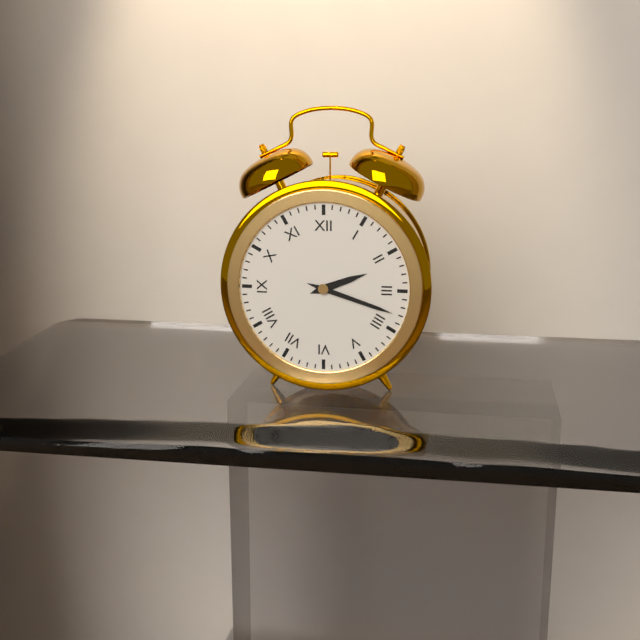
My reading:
2 h 18 min
